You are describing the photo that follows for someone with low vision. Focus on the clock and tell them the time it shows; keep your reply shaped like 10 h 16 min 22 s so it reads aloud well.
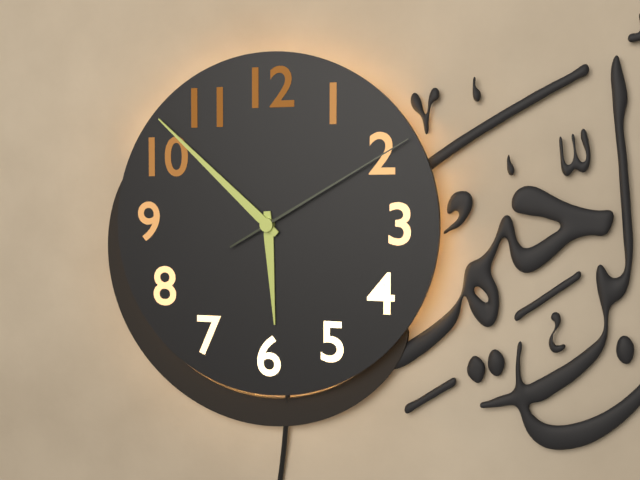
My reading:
5 h 52 min 10 s
